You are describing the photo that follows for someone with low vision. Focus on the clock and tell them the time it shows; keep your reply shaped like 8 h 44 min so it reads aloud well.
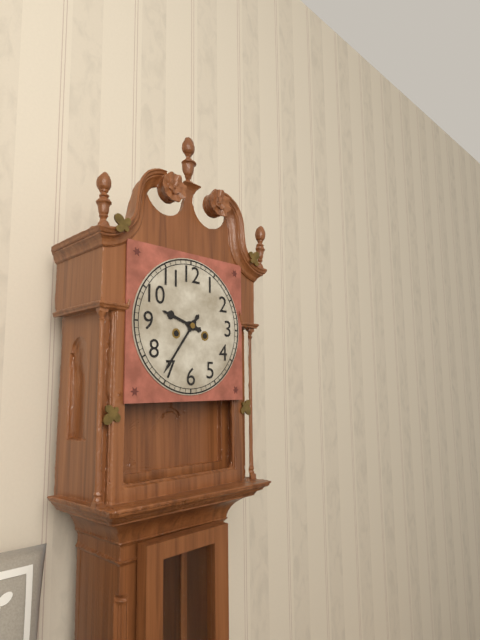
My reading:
9 h 36 min
